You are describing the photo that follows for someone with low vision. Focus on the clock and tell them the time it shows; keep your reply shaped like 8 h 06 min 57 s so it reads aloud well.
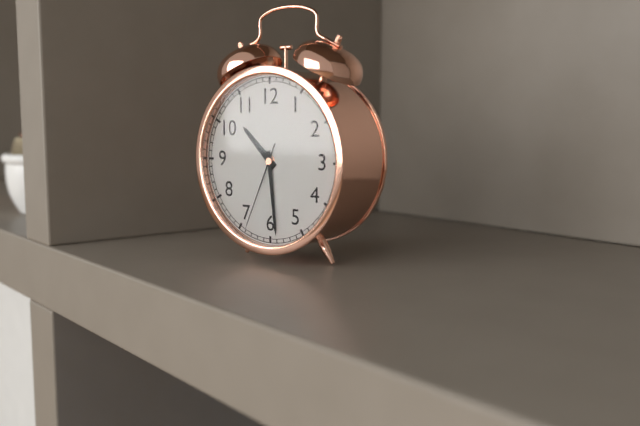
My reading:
10 h 29 min 34 s
